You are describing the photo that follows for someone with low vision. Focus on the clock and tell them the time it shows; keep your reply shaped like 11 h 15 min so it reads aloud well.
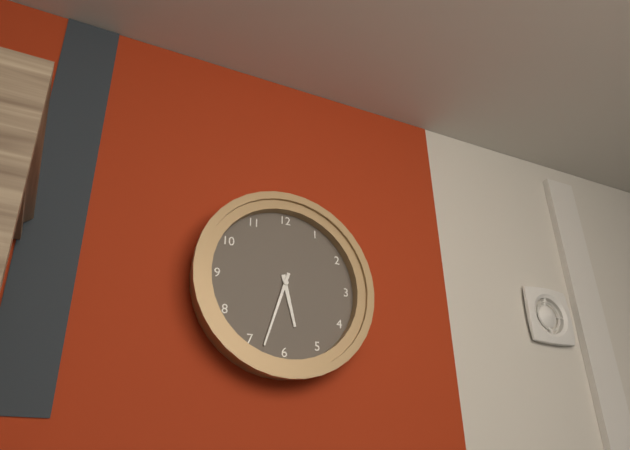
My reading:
5 h 33 min
